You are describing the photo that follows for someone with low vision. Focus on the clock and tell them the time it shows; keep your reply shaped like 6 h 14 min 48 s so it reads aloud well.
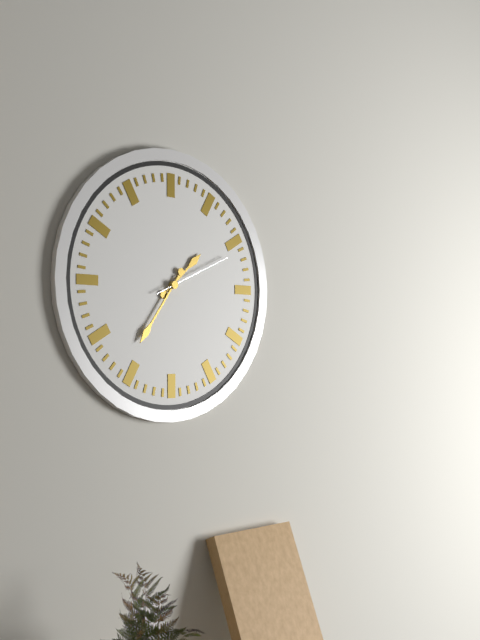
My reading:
1 h 36 min 11 s
